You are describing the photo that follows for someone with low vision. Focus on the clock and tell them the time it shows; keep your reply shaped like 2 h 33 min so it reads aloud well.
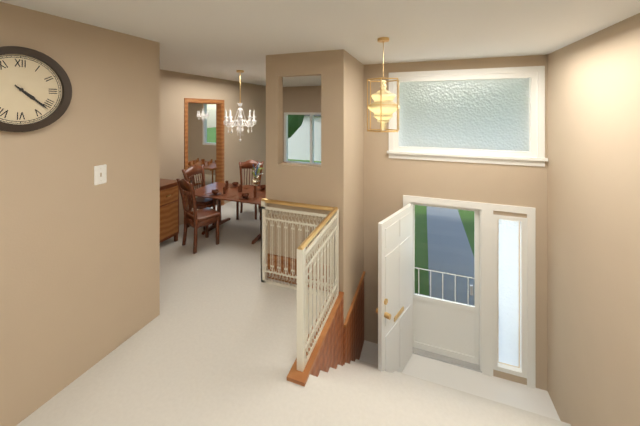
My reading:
4 h 22 min
